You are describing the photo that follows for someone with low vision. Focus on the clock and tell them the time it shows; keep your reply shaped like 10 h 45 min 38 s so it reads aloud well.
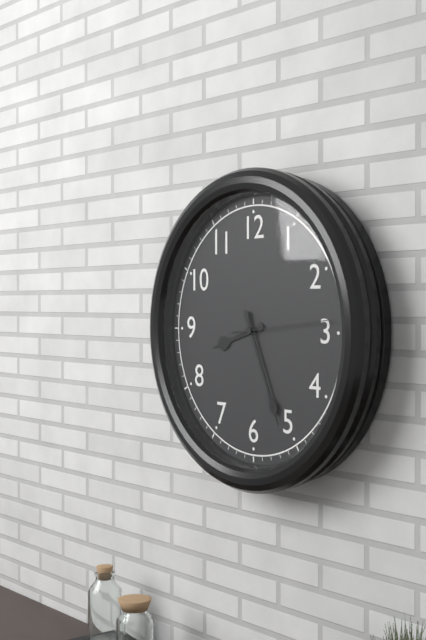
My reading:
8 h 26 min 14 s
